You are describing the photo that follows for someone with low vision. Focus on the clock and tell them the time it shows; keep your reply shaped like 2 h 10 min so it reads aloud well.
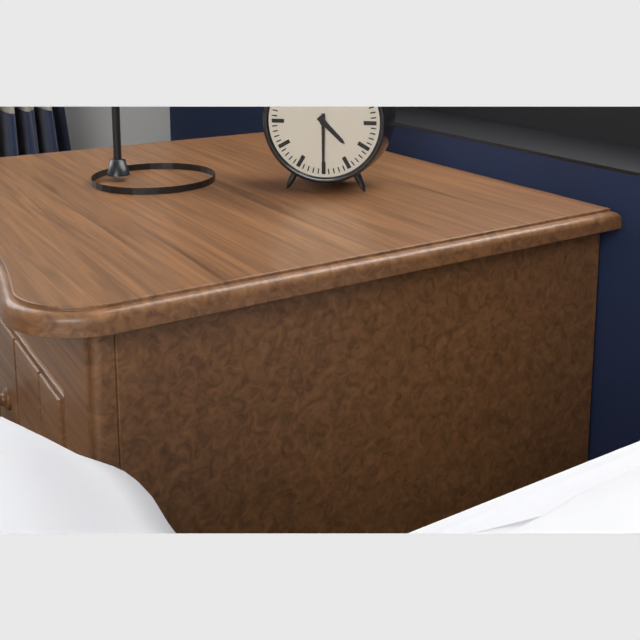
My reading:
4 h 30 min
